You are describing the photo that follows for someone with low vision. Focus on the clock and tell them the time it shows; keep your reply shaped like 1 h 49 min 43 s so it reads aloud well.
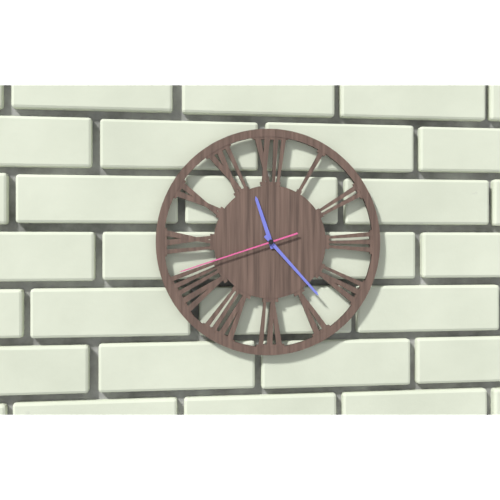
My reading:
11 h 23 min 42 s
